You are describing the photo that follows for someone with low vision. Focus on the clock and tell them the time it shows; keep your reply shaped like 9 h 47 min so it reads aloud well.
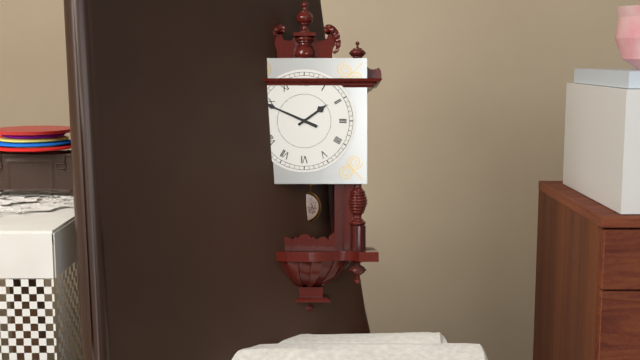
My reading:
1 h 49 min
